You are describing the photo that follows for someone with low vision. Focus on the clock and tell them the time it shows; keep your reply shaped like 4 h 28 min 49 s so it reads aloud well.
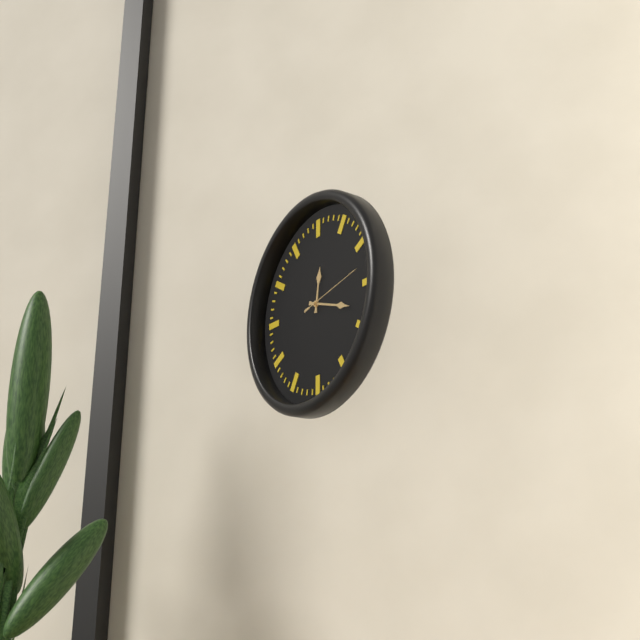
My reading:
12 h 18 min 13 s
